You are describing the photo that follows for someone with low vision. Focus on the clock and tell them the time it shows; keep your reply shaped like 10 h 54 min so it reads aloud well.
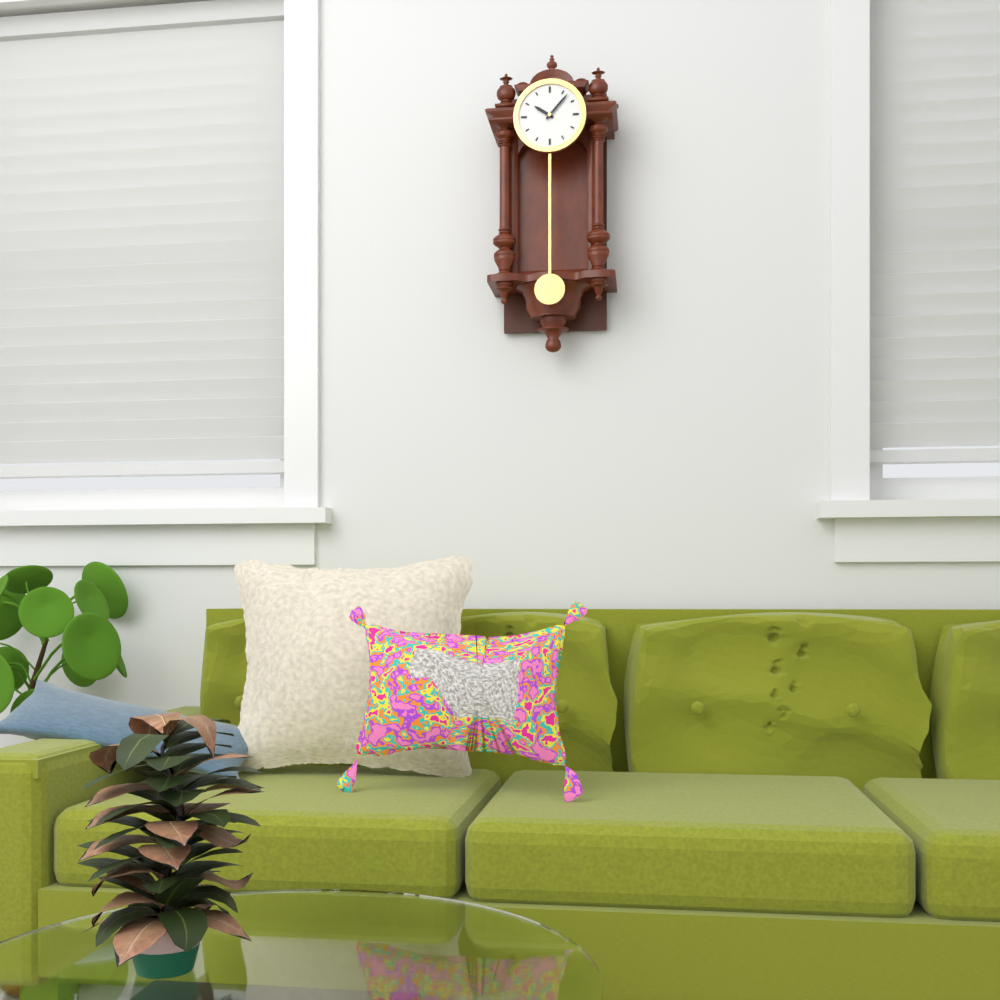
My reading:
10 h 07 min
